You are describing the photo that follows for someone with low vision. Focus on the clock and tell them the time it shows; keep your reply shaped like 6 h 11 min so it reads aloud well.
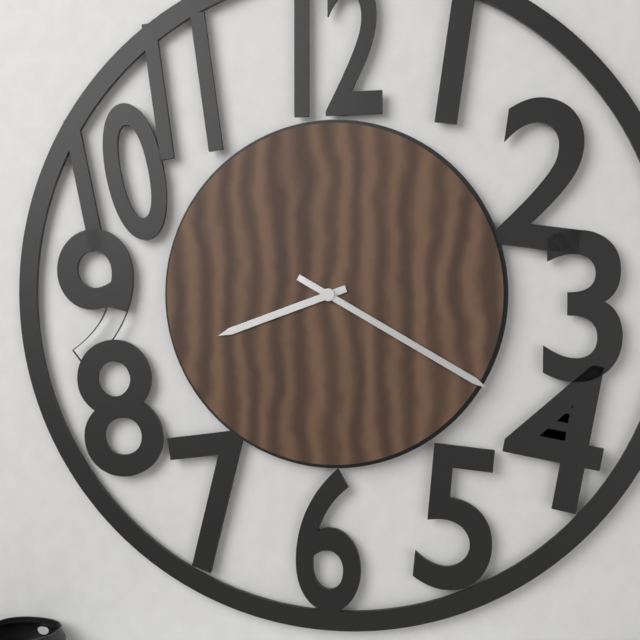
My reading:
8 h 20 min
